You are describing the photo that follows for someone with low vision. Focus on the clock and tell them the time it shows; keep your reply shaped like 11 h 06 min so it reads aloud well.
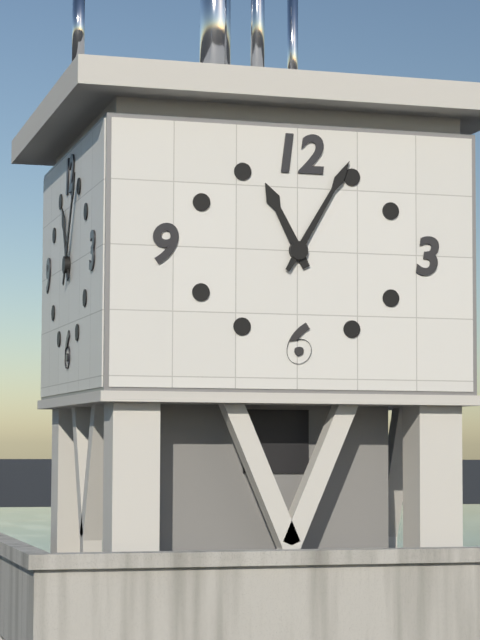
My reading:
11 h 05 min
